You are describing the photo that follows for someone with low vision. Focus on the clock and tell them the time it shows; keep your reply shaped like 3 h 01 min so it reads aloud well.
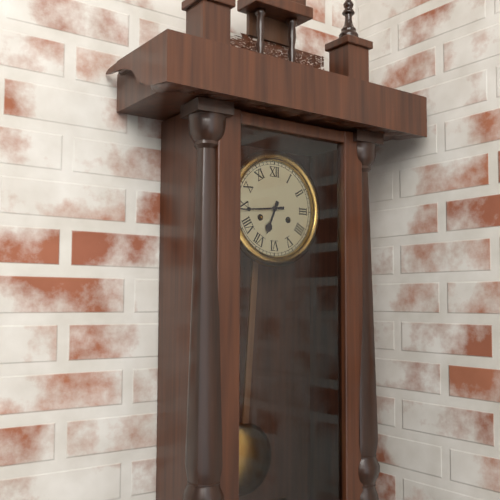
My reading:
6 h 44 min
